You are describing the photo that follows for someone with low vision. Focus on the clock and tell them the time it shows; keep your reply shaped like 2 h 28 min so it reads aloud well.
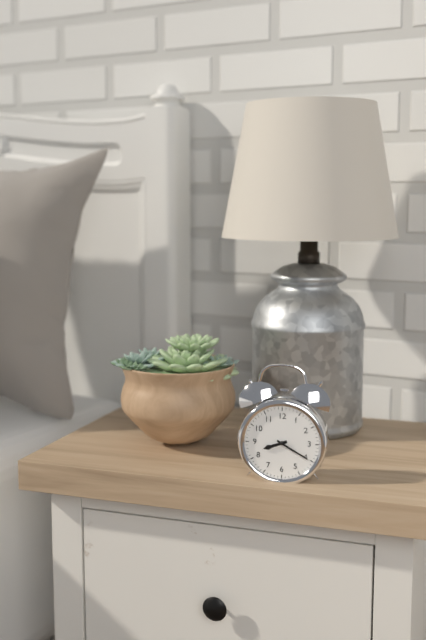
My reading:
8 h 20 min
